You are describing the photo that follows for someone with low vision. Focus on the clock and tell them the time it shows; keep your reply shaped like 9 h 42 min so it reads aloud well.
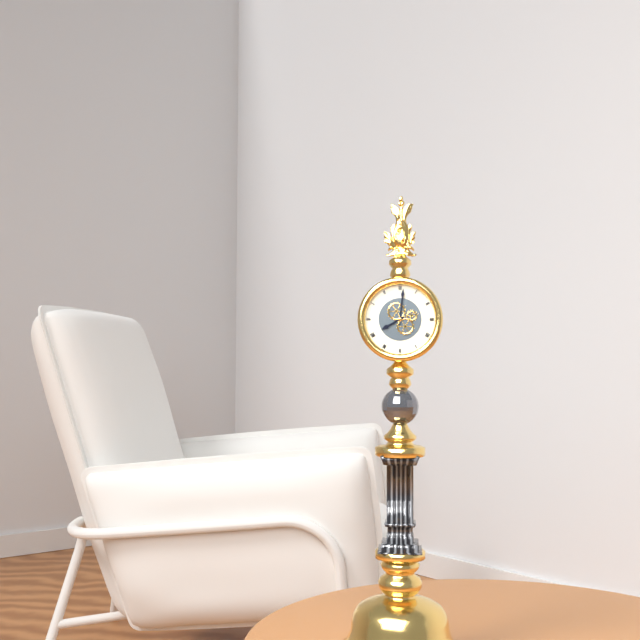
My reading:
8 h 01 min
